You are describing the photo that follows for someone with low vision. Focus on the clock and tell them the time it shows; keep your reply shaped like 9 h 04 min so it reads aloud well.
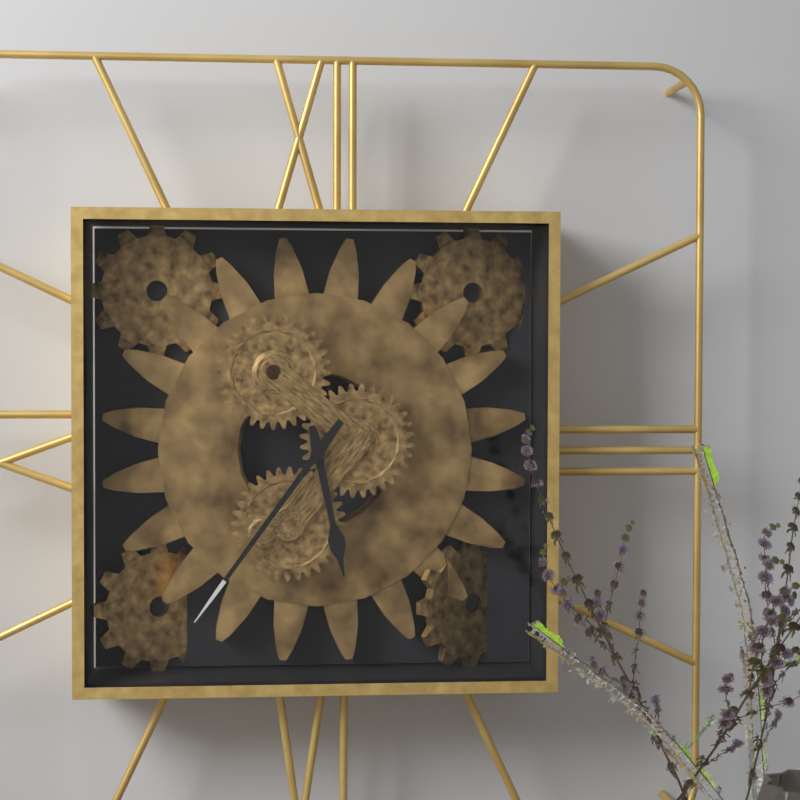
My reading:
5 h 36 min
